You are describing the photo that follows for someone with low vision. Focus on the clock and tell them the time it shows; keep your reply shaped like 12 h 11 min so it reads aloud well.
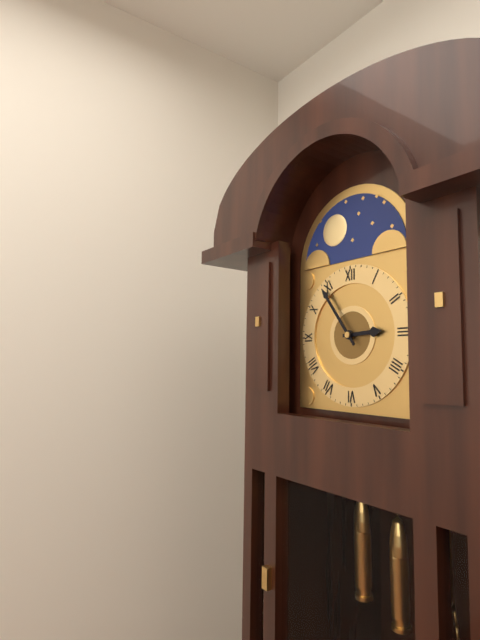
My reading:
2 h 54 min
